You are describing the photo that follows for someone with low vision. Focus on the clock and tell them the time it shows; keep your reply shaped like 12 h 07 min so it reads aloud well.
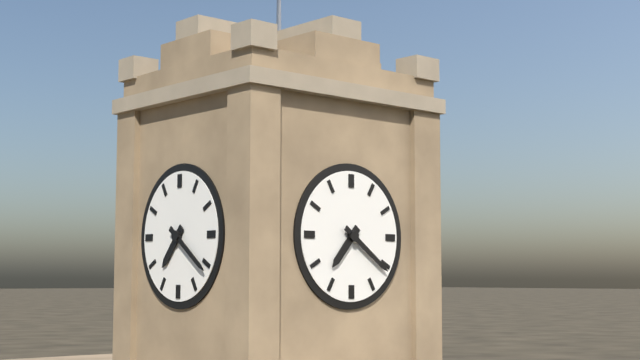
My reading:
7 h 21 min
